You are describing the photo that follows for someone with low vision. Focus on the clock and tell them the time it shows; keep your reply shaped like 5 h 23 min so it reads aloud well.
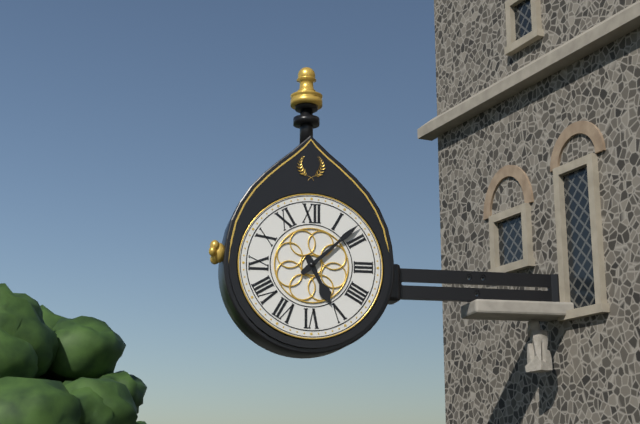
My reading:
5 h 08 min
